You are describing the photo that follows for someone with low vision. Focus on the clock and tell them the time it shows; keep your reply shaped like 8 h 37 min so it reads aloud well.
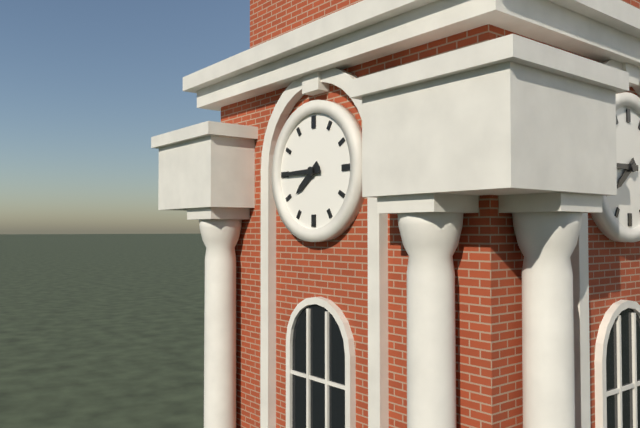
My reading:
7 h 45 min
